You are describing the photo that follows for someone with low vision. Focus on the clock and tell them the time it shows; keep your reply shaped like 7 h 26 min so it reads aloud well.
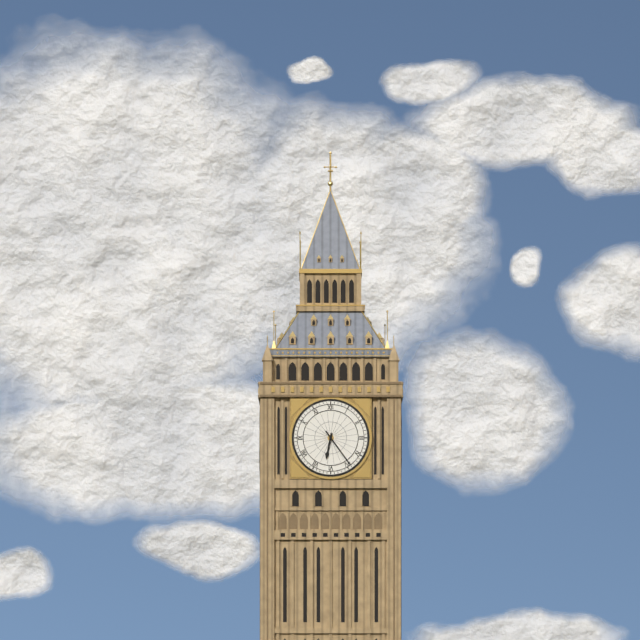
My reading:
6 h 24 min
